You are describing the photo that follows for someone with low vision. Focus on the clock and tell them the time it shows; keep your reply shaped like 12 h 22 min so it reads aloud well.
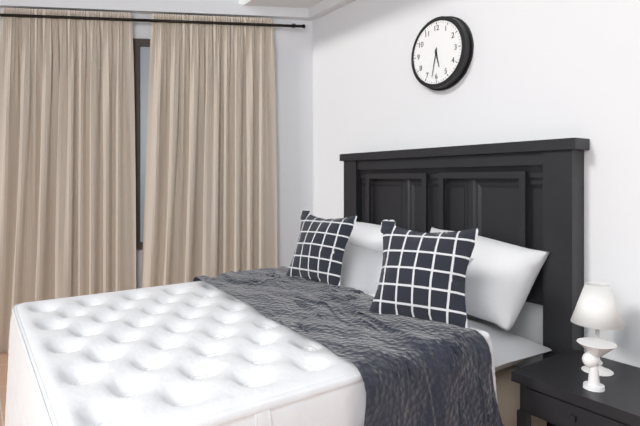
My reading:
5 h 32 min
